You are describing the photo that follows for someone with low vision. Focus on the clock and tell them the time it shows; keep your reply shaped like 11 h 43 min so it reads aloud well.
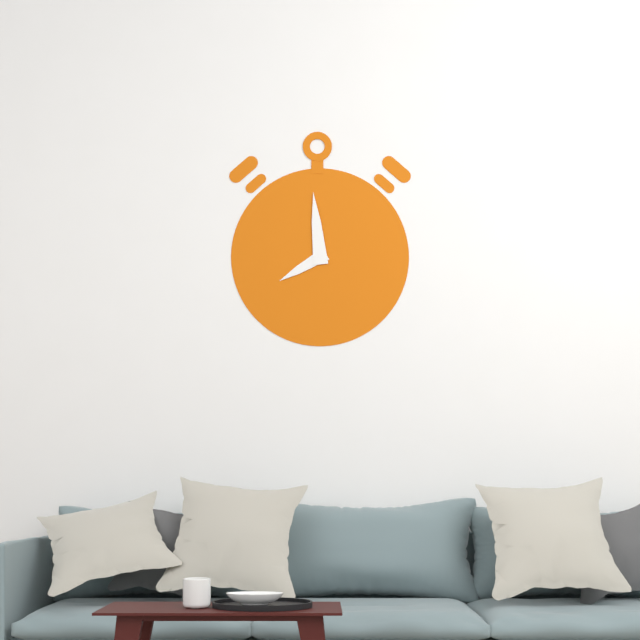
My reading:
7 h 59 min
